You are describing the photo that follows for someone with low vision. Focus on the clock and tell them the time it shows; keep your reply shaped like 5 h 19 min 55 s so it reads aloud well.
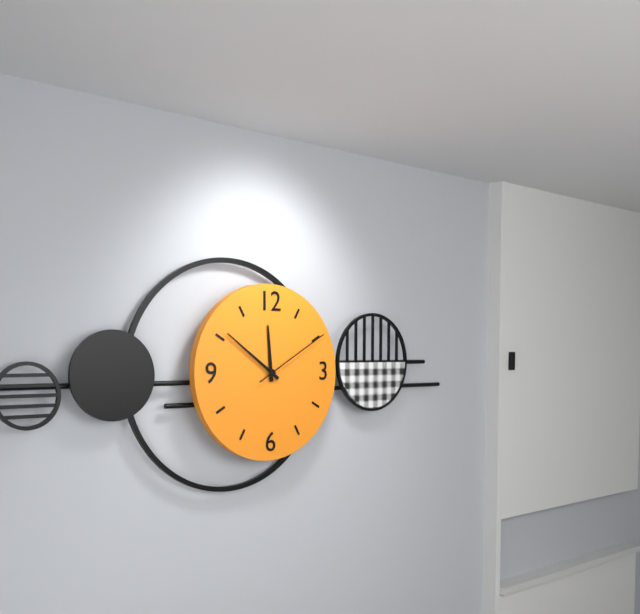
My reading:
11 h 51 min 10 s
